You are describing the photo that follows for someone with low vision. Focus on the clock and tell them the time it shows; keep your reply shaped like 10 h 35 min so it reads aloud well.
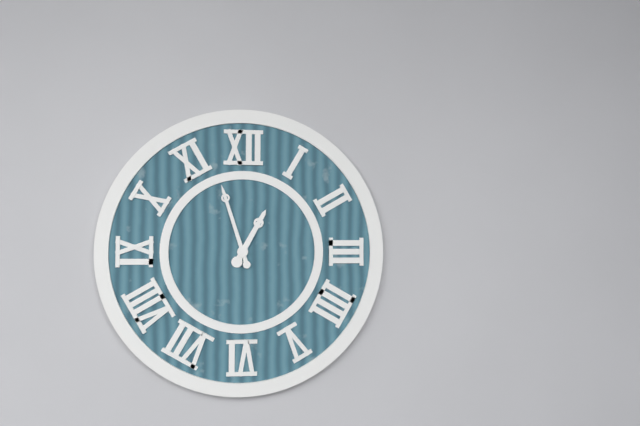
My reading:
12 h 57 min
